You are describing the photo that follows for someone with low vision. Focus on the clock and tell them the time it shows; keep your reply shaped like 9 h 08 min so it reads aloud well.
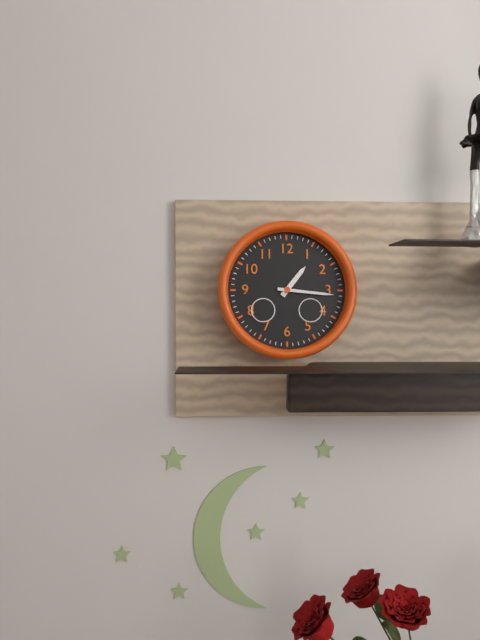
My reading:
1 h 16 min
